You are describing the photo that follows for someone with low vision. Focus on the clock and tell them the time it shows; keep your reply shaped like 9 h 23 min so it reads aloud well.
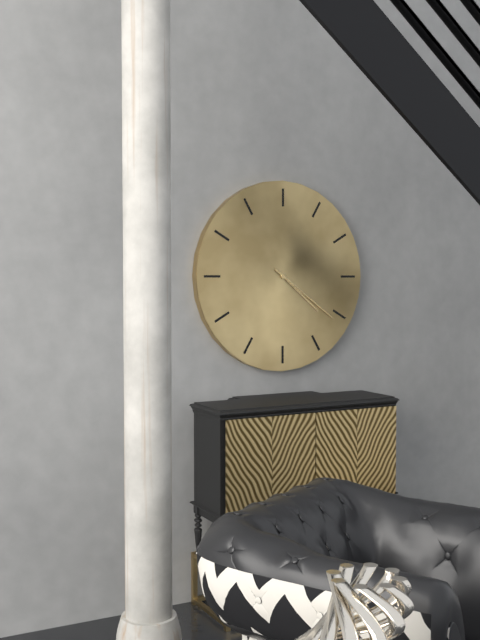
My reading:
4 h 21 min
